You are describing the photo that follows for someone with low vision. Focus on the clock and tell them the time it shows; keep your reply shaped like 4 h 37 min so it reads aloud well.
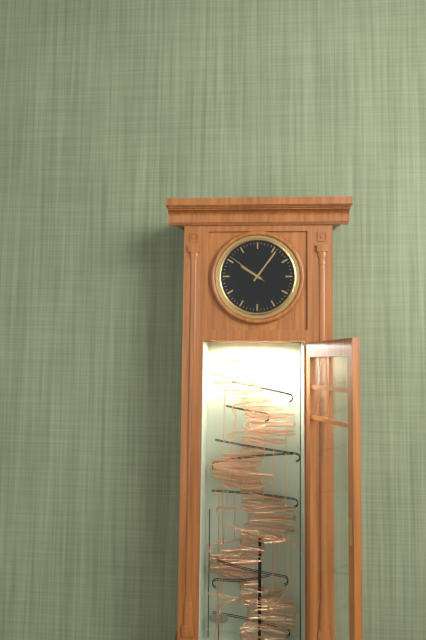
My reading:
10 h 06 min
